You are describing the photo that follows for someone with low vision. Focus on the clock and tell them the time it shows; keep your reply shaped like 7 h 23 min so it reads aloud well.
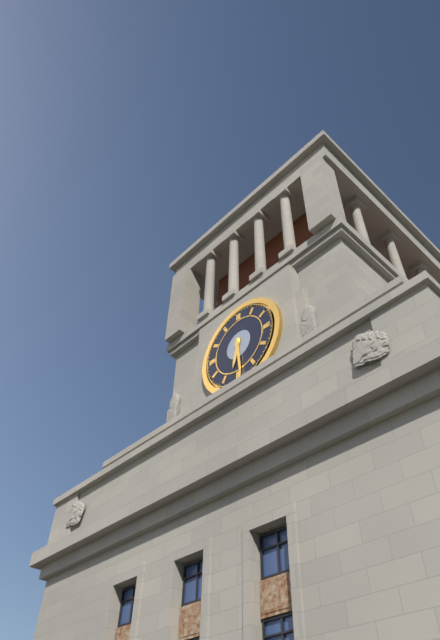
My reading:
6 h 29 min
